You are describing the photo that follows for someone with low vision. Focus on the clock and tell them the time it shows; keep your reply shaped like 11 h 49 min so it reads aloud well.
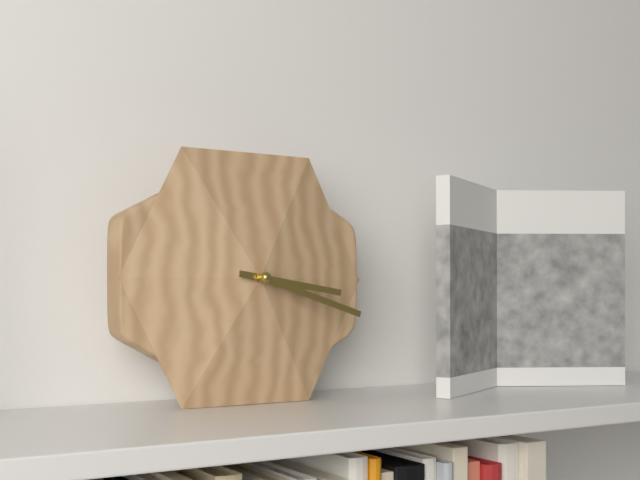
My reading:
3 h 18 min
